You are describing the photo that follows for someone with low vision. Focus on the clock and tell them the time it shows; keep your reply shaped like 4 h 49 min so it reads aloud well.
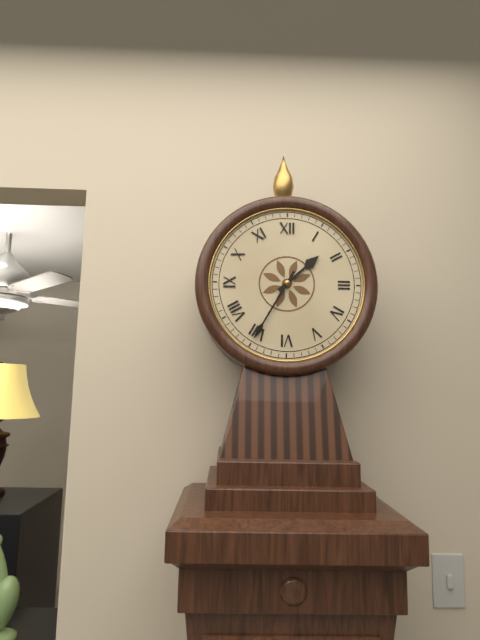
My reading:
1 h 35 min
